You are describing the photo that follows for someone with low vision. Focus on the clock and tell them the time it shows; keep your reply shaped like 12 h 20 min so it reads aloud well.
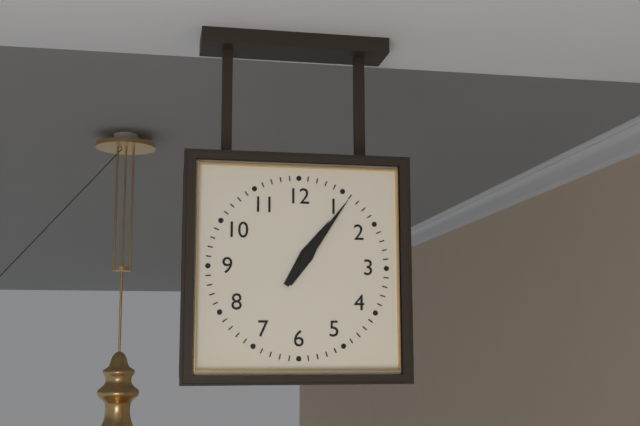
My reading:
1 h 06 min
